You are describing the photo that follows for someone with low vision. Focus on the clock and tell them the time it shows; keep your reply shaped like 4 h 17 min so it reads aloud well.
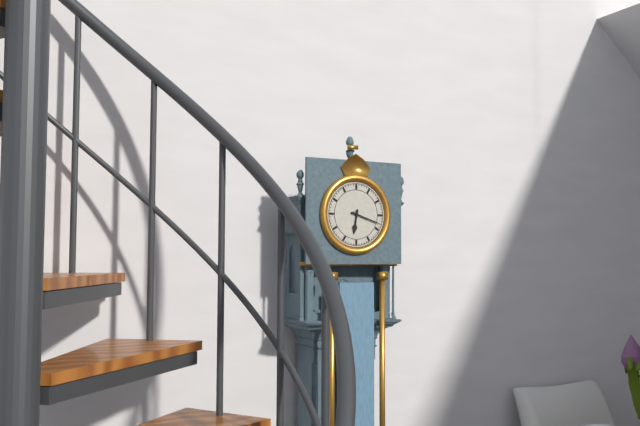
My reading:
6 h 18 min
